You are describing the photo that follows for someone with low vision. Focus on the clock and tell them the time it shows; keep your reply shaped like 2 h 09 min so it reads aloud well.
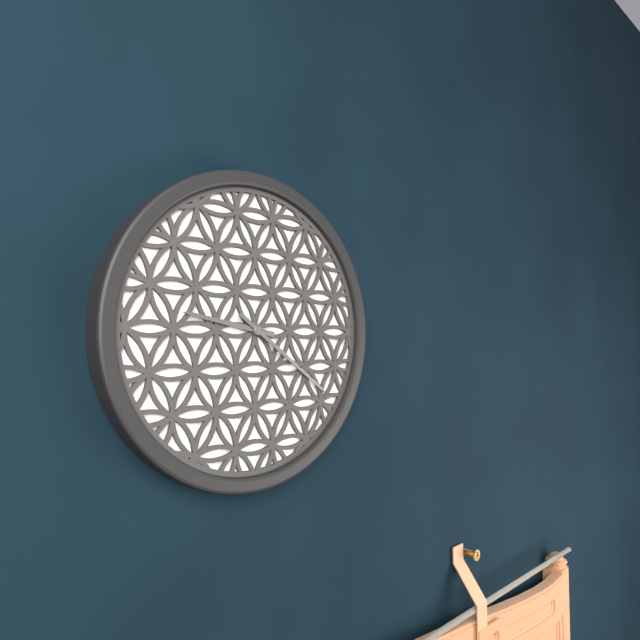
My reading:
9 h 21 min
